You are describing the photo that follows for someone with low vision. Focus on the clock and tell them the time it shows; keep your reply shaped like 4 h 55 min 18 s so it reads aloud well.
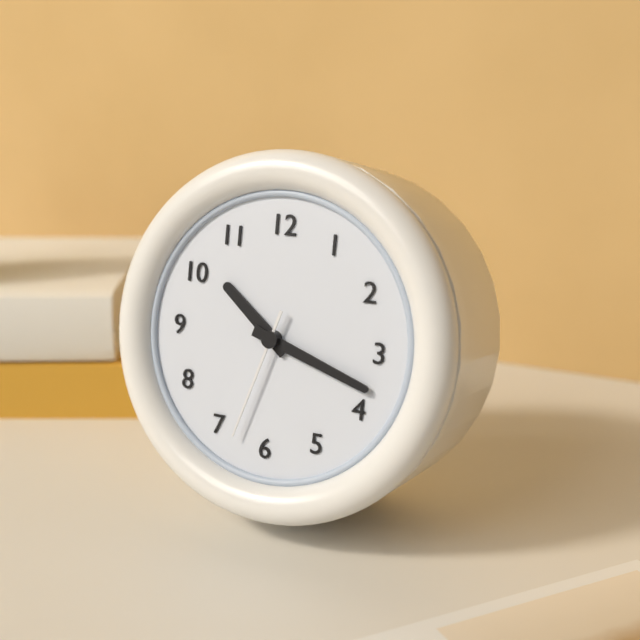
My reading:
10 h 18 min 33 s
